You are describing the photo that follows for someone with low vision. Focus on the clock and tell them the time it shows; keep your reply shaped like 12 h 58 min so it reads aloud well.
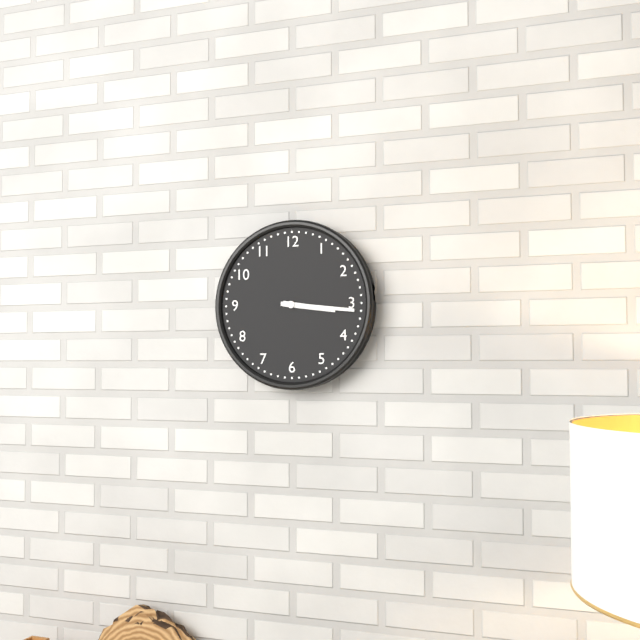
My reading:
3 h 16 min
